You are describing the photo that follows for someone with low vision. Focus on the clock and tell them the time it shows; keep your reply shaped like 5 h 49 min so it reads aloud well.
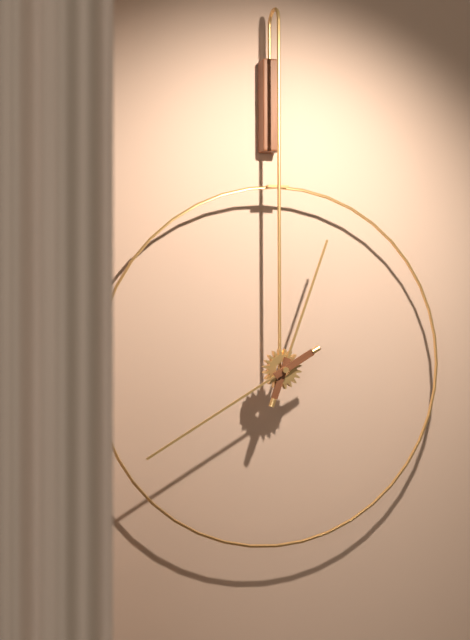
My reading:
12 h 40 min
